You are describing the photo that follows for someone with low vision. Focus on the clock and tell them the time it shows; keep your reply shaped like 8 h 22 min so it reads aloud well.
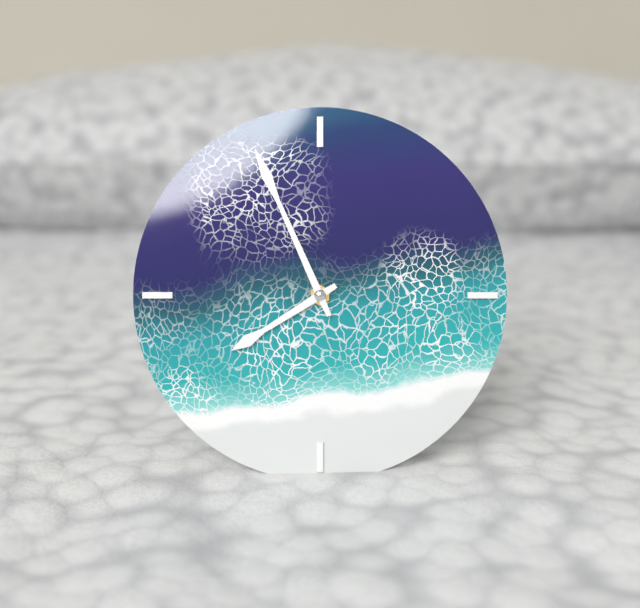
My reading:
7 h 56 min
